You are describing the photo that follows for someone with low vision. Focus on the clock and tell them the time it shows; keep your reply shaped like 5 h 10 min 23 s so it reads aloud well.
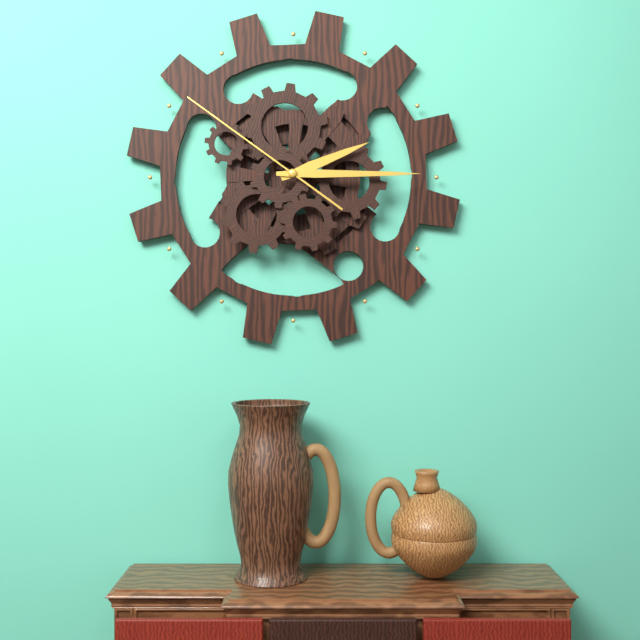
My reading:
2 h 15 min 51 s
